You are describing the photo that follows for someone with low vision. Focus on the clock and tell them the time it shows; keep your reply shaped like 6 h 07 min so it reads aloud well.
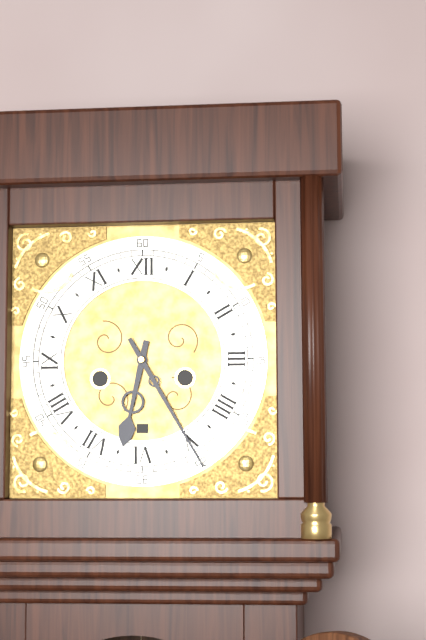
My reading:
6 h 25 min
